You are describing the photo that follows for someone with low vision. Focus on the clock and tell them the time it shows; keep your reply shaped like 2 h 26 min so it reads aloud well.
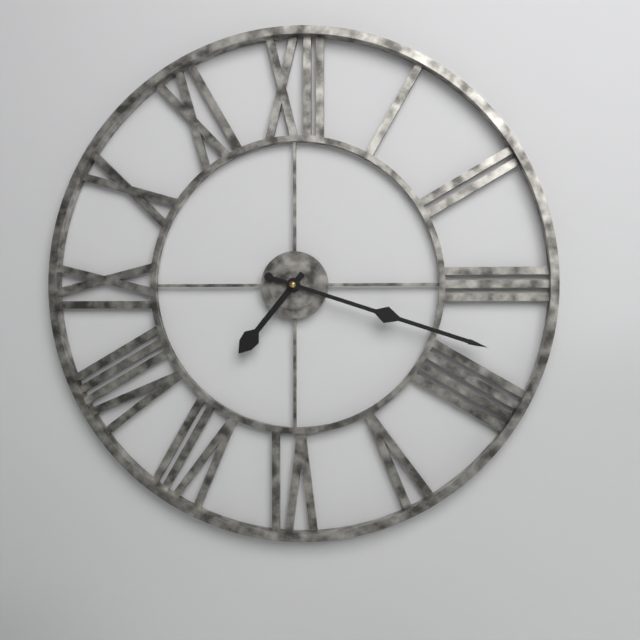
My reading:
7 h 18 min
